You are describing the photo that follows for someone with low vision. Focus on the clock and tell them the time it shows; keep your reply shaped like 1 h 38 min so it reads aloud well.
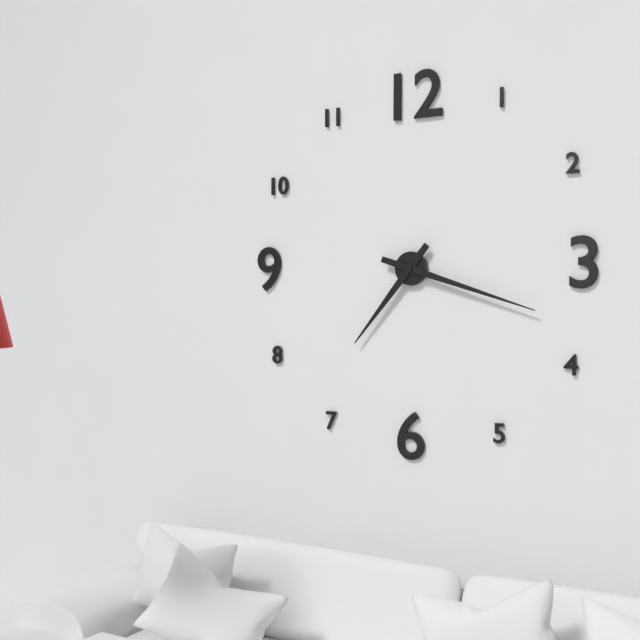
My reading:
7 h 18 min
